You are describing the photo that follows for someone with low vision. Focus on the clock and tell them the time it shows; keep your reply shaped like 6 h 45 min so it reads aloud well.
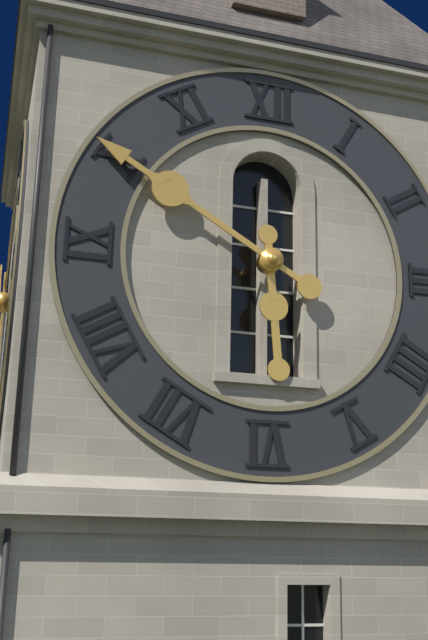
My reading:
5 h 50 min
